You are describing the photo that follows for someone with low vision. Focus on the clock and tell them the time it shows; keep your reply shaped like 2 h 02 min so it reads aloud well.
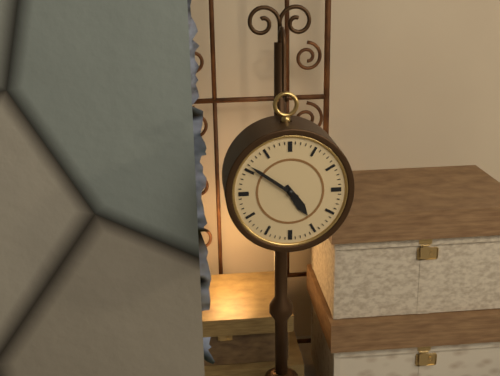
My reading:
4 h 51 min
